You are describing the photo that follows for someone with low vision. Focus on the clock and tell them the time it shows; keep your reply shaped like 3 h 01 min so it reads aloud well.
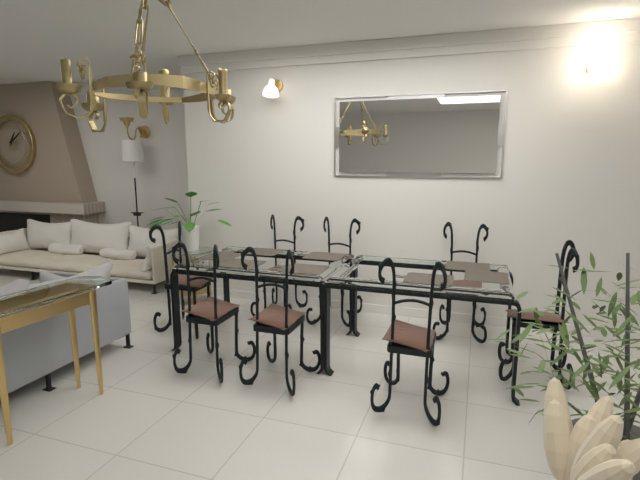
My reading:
1 h 09 min
